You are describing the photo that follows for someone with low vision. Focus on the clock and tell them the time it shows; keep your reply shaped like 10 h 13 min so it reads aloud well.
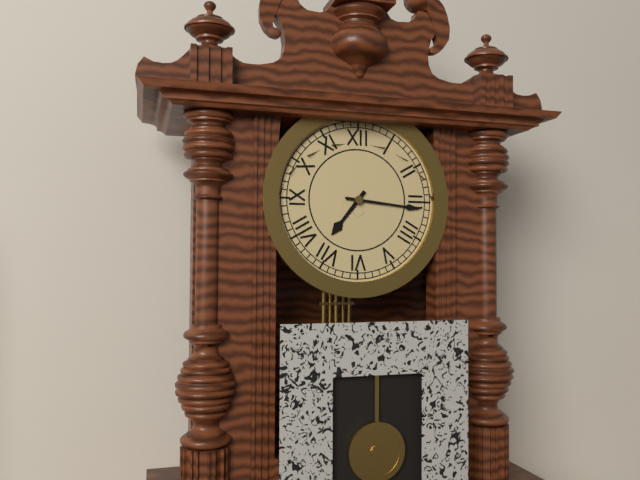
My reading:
7 h 16 min
